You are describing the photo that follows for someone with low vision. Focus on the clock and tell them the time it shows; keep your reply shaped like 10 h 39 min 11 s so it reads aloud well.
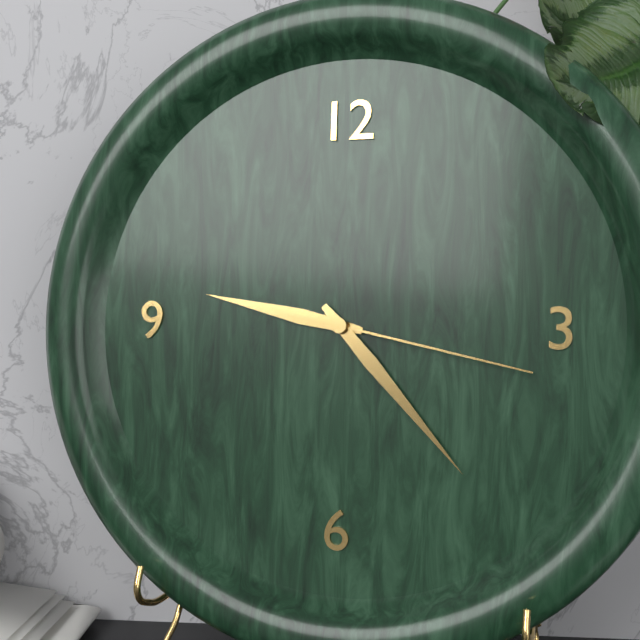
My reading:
9 h 23 min 17 s
